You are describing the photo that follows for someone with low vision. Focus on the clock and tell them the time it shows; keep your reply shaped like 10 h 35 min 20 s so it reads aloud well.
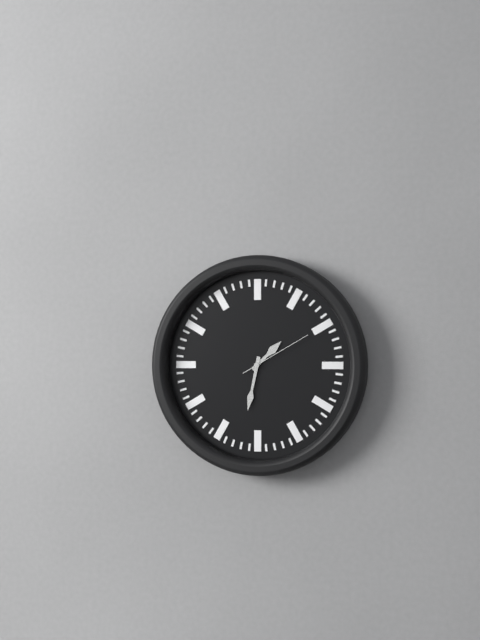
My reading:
1 h 32 min 10 s
